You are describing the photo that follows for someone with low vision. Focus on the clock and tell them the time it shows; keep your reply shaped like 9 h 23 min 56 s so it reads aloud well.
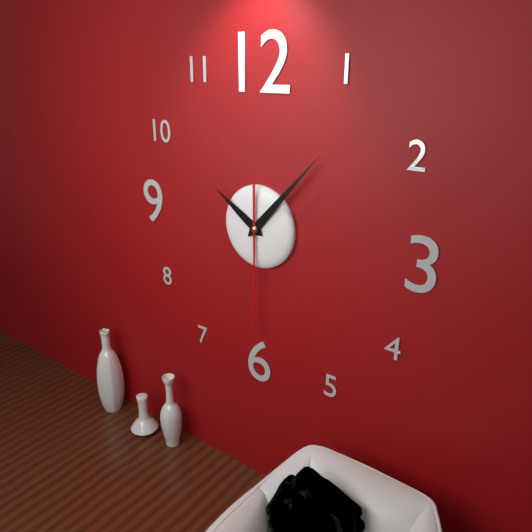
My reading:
10 h 07 min 30 s
